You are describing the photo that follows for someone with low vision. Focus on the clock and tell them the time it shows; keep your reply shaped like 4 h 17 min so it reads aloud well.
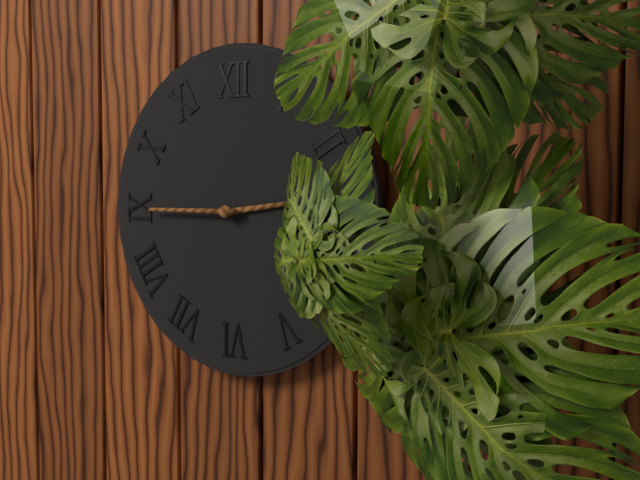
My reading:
2 h 45 min
